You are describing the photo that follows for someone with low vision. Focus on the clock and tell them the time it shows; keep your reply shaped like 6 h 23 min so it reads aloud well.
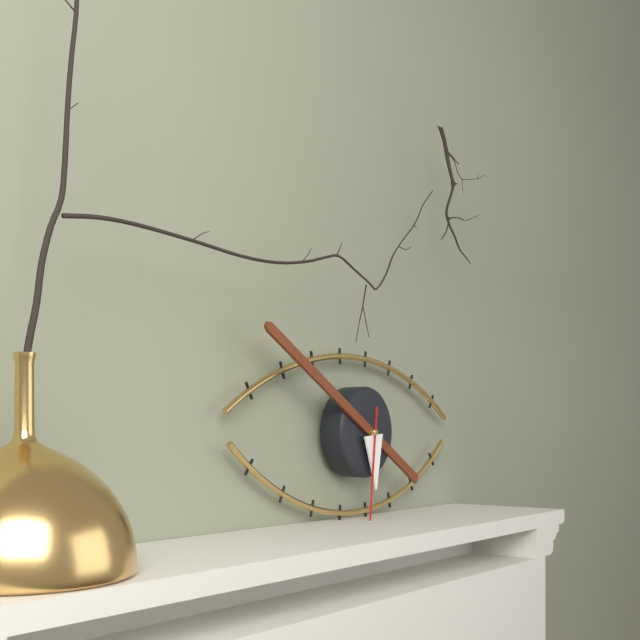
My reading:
5 h 50 min
